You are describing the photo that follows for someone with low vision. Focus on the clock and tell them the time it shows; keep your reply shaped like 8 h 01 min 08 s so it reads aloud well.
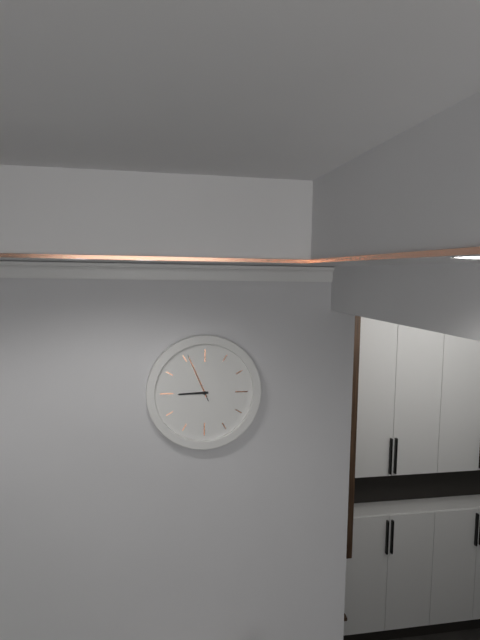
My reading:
8 h 56 min 56 s
